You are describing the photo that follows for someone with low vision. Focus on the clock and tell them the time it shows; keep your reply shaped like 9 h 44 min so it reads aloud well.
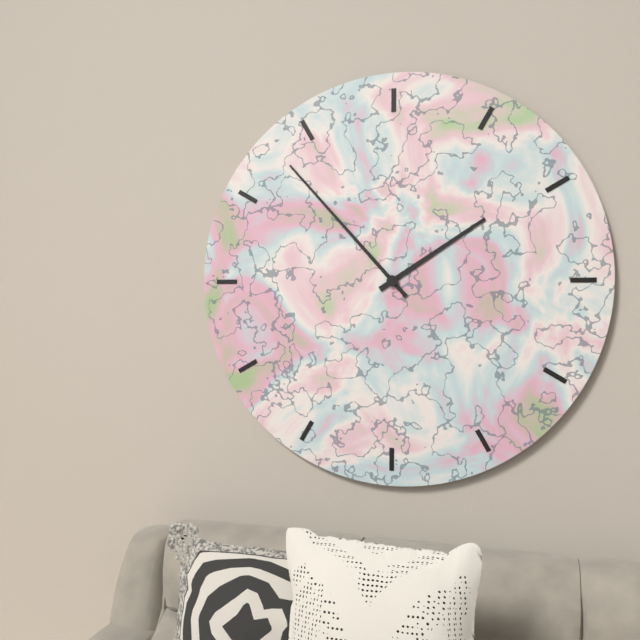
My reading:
1 h 53 min
